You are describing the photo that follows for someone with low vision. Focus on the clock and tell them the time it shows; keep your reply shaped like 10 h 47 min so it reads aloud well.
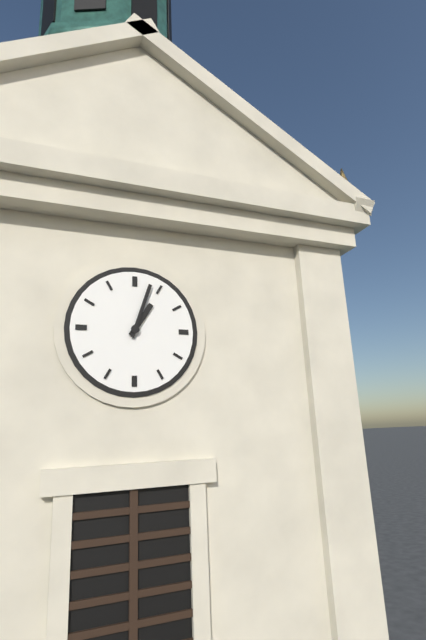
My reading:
1 h 03 min
